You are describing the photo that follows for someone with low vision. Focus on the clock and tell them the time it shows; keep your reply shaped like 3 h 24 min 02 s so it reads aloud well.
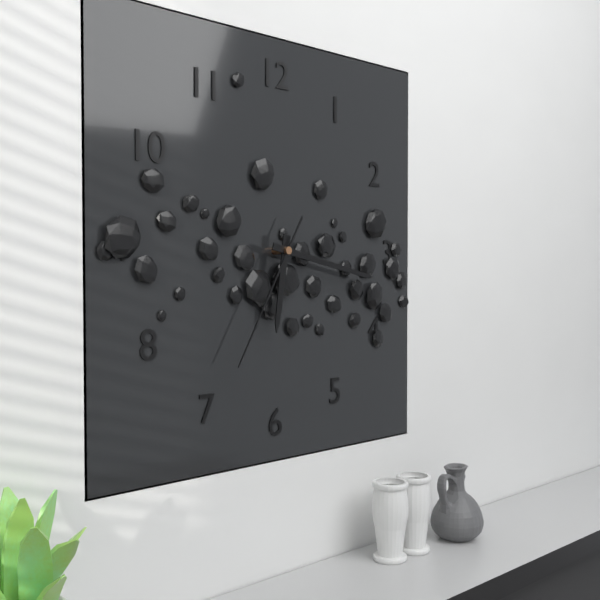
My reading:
6 h 17 min 35 s
